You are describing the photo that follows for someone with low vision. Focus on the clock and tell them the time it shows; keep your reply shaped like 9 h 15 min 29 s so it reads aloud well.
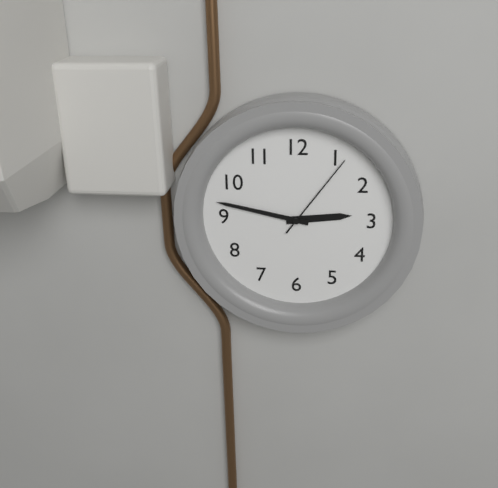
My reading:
2 h 47 min 06 s
